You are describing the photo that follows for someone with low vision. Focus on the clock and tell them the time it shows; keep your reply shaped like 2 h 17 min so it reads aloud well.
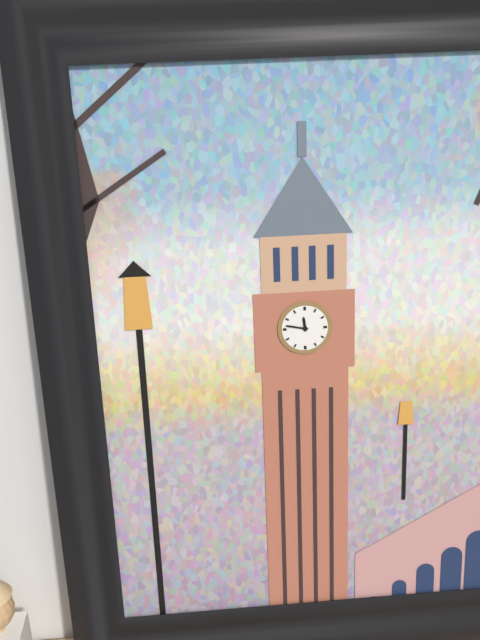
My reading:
11 h 47 min
